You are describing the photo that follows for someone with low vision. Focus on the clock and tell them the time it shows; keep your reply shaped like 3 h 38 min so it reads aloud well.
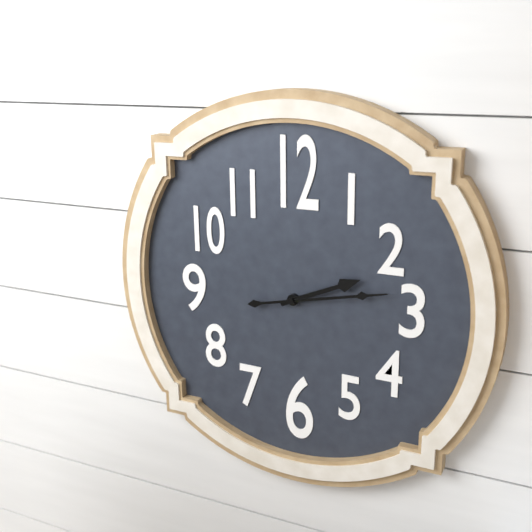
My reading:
2 h 13 min
